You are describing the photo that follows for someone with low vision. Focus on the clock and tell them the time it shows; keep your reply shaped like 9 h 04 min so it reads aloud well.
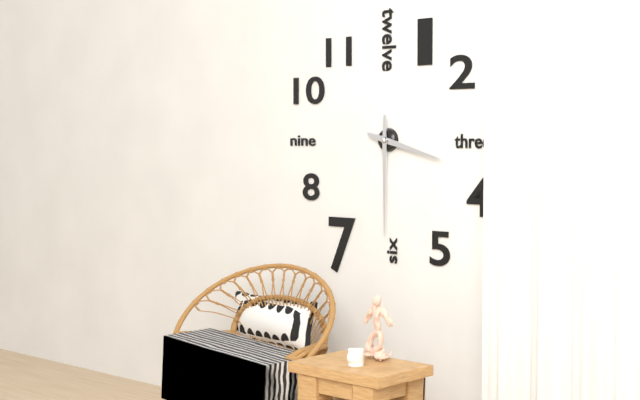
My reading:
3 h 30 min
